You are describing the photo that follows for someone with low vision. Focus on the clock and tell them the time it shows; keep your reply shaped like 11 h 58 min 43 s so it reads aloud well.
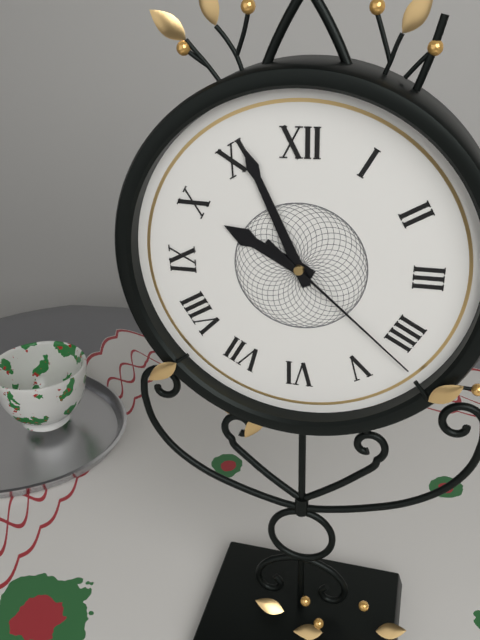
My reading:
9 h 56 min 22 s
